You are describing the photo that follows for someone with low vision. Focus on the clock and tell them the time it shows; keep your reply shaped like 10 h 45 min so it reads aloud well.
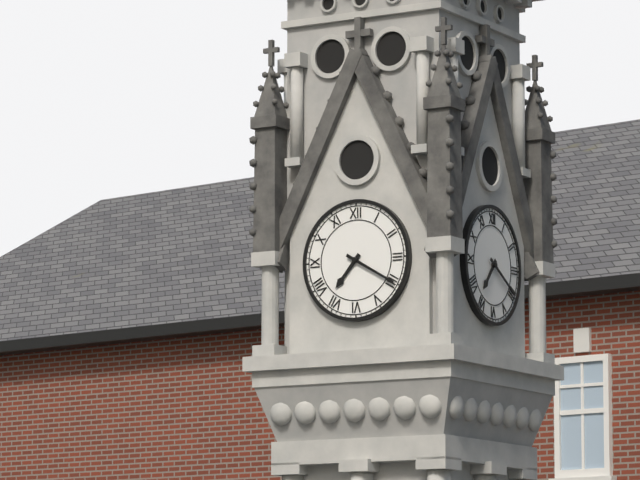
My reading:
7 h 20 min
